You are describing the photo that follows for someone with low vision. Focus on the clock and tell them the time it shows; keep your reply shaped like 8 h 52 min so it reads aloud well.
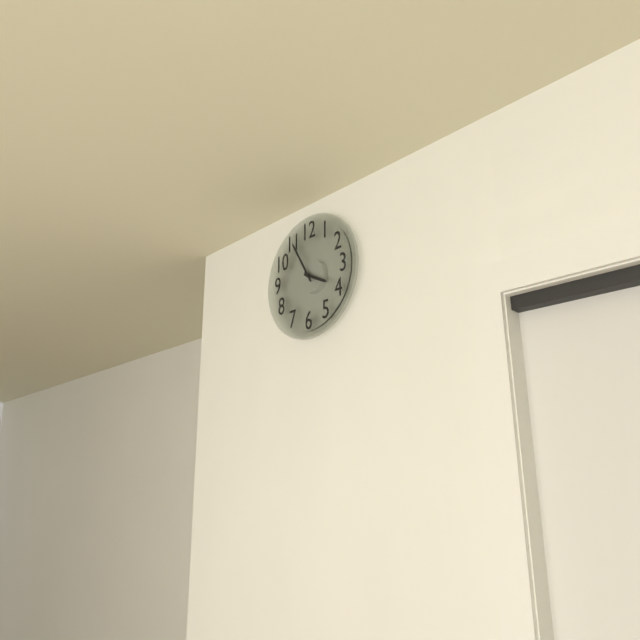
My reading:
3 h 55 min
